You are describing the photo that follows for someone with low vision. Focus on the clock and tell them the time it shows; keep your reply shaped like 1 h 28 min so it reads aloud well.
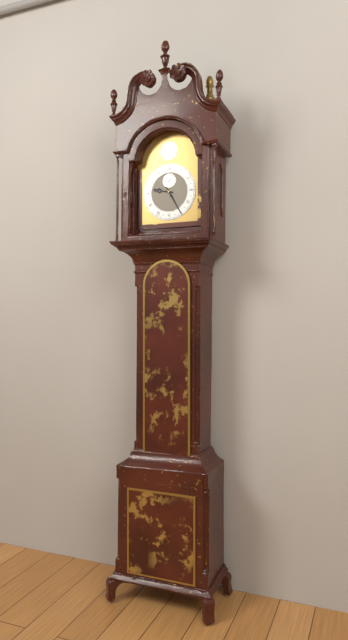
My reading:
9 h 25 min
